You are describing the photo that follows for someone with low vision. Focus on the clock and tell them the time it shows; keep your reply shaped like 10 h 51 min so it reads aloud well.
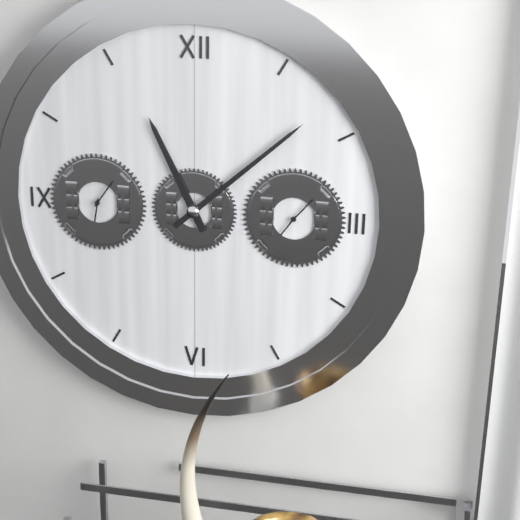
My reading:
11 h 08 min
